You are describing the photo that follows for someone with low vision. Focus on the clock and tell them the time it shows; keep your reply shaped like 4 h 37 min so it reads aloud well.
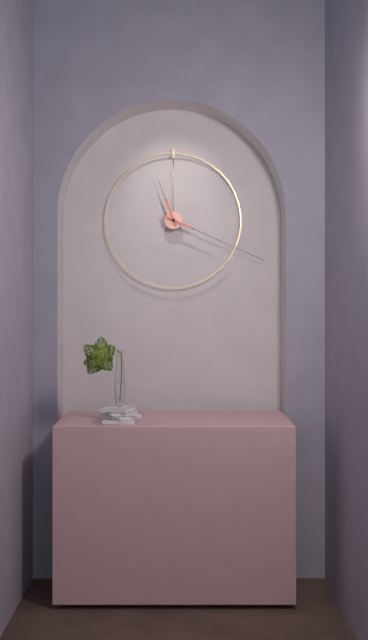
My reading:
11 h 19 min
